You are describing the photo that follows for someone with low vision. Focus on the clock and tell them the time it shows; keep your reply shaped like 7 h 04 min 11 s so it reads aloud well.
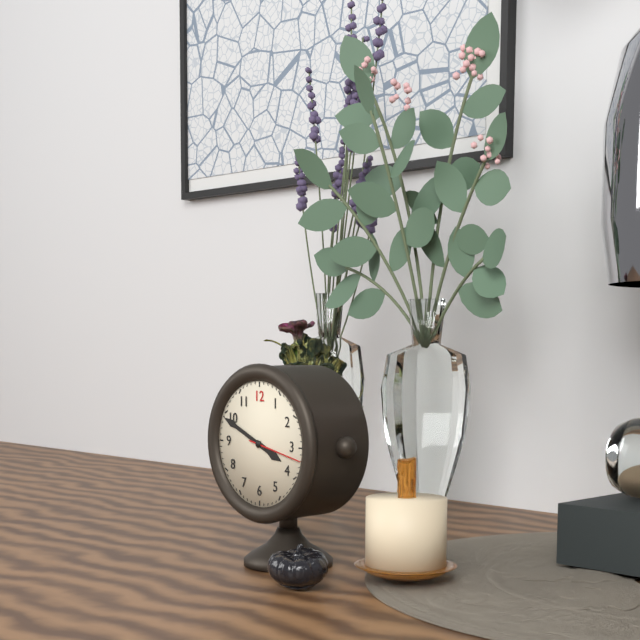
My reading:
3 h 49 min 17 s
